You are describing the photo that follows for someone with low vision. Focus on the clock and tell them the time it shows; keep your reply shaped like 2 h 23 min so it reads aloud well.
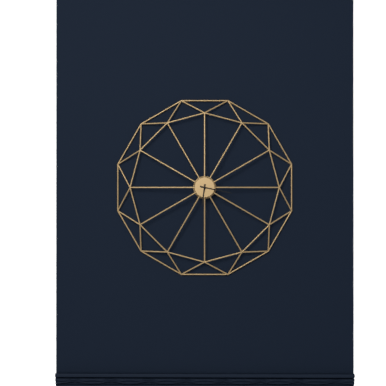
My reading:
6 h 17 min
